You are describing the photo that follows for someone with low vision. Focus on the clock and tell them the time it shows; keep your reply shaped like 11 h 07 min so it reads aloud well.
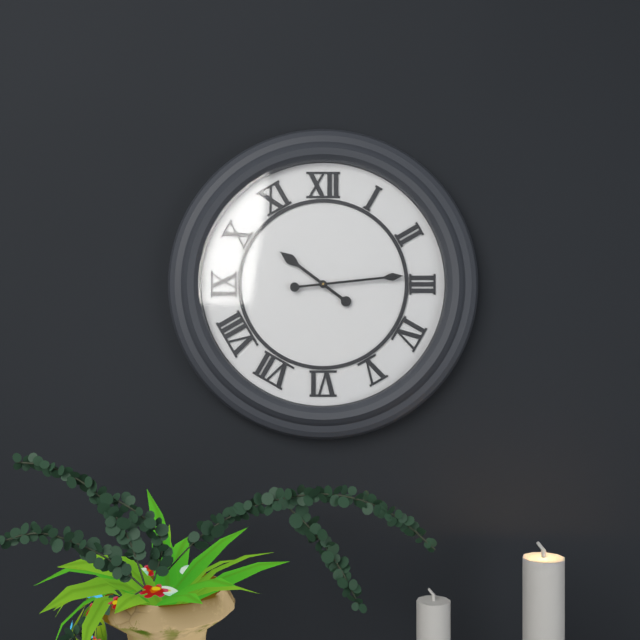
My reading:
10 h 14 min
